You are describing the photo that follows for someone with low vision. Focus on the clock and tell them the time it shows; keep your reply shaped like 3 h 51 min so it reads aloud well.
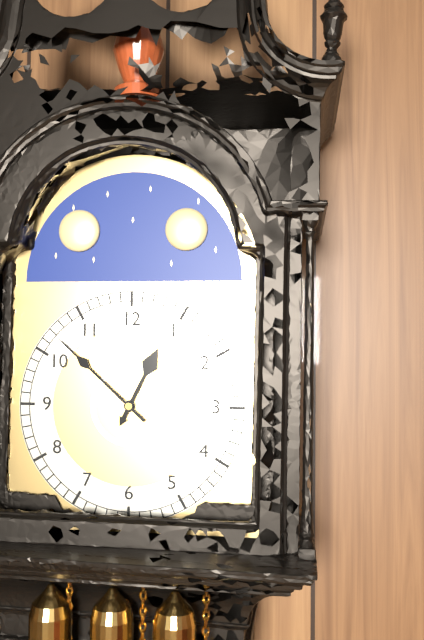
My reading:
12 h 52 min
